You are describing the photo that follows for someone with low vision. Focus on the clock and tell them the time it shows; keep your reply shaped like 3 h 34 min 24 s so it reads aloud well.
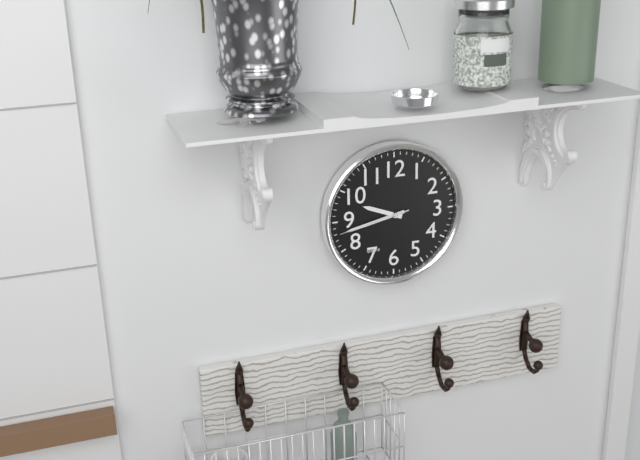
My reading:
9 h 43 min 43 s
